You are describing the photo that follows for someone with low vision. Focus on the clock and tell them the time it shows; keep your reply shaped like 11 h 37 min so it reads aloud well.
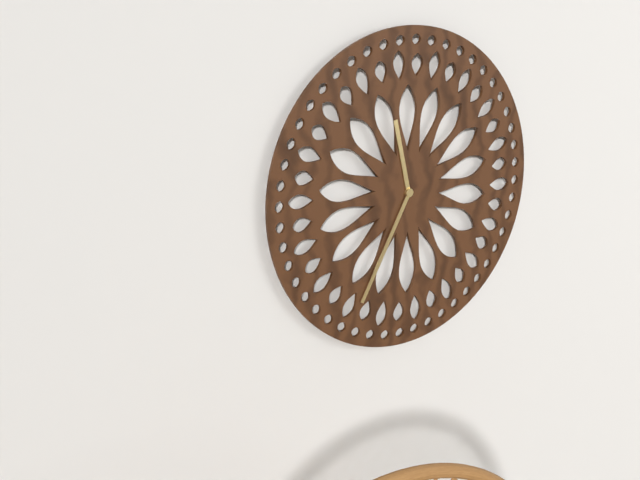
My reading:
11 h 35 min
